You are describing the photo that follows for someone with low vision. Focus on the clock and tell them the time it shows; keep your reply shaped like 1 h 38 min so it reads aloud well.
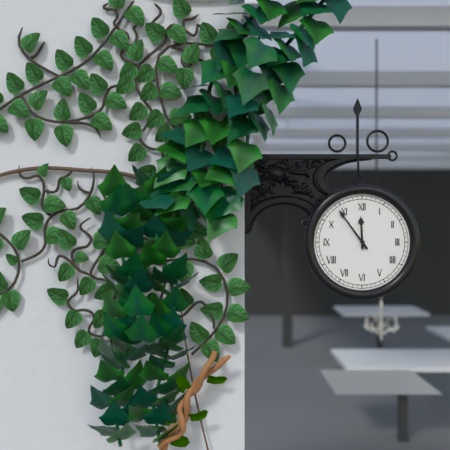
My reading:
11 h 54 min
